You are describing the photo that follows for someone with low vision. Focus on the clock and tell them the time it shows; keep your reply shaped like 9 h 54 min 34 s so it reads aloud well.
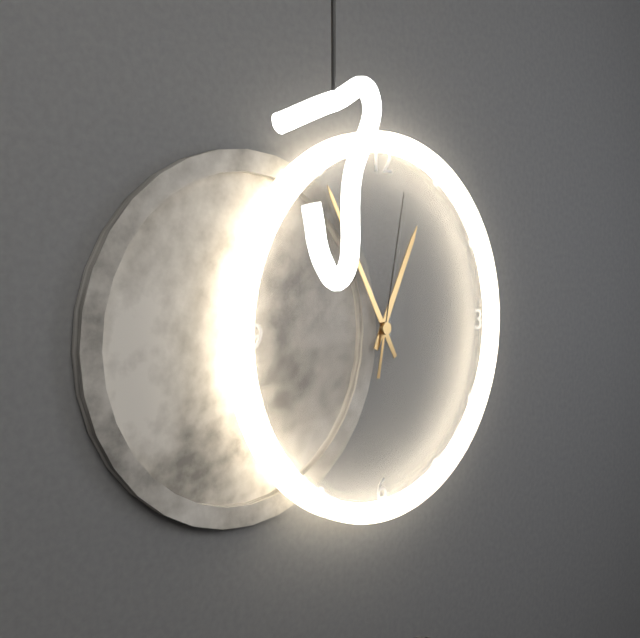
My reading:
12 h 55 min 02 s
